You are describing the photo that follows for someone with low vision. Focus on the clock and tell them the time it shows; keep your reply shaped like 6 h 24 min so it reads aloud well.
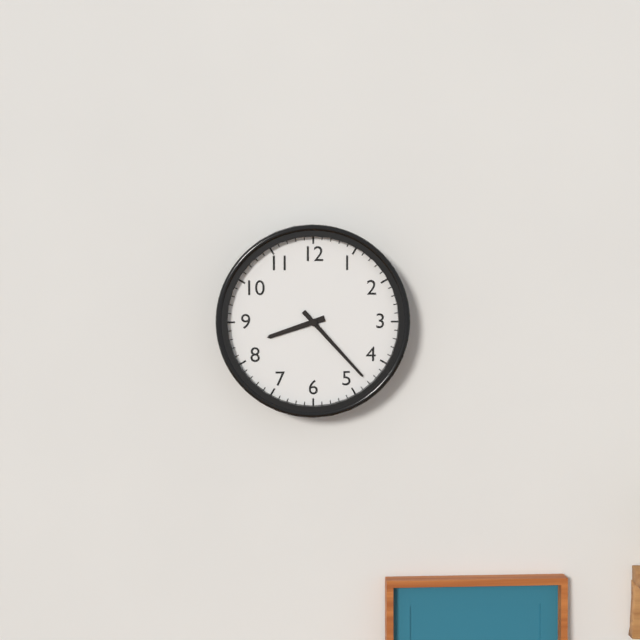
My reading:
8 h 23 min
